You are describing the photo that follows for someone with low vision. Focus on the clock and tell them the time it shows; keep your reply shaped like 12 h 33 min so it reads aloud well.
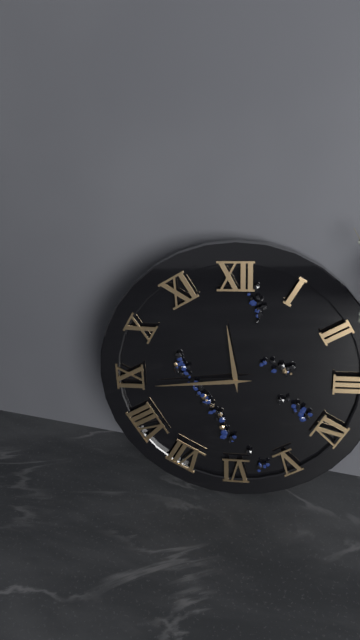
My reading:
11 h 44 min
